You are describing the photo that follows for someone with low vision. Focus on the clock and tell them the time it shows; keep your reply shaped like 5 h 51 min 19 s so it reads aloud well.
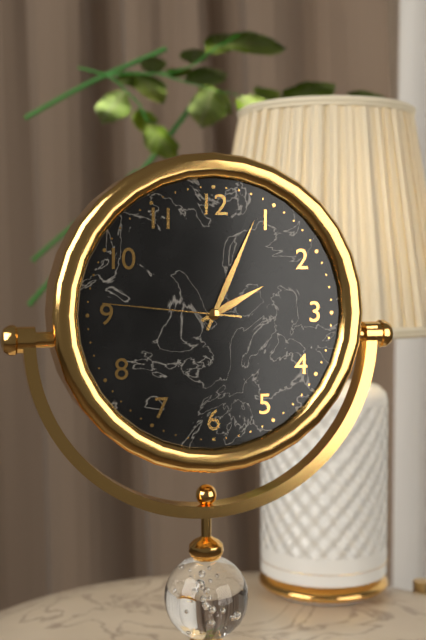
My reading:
2 h 04 min 46 s
